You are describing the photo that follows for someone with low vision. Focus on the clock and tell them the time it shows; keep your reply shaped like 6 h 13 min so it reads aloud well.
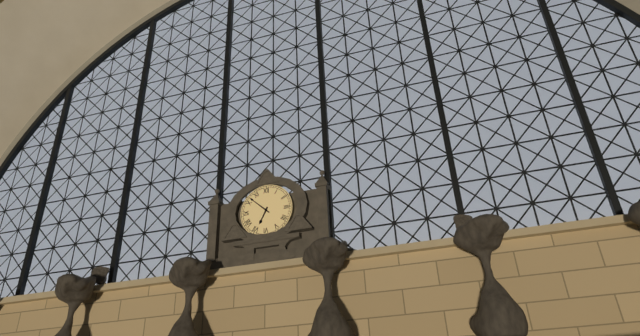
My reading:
6 h 52 min
